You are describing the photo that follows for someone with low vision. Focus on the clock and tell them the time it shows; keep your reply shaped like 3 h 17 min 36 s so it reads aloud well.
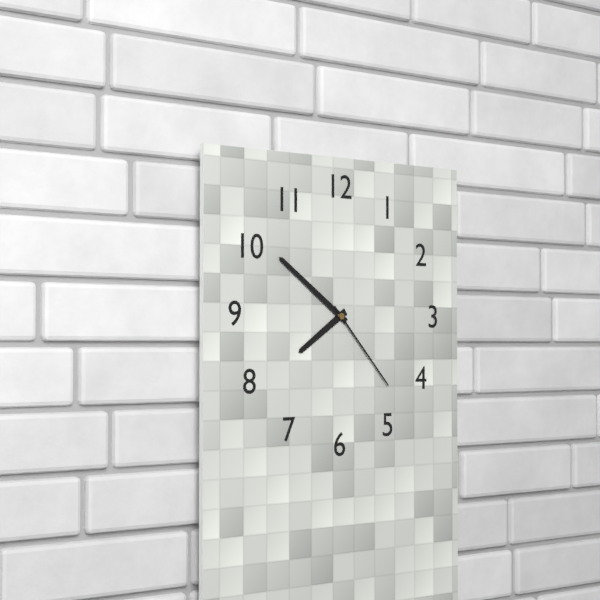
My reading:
7 h 51 min 23 s
